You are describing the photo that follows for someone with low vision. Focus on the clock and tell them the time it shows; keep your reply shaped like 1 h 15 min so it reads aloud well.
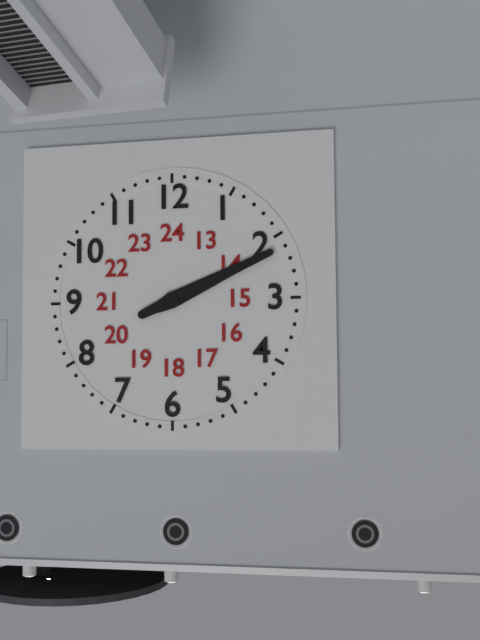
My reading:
2 h 11 min
